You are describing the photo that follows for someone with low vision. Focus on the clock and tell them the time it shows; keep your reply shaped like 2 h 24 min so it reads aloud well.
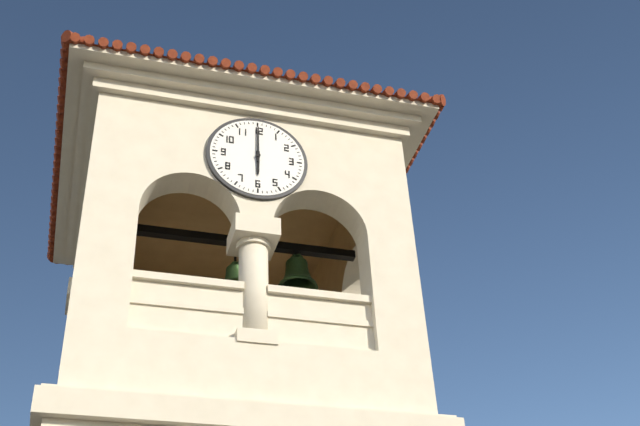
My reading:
6 h 00 min
